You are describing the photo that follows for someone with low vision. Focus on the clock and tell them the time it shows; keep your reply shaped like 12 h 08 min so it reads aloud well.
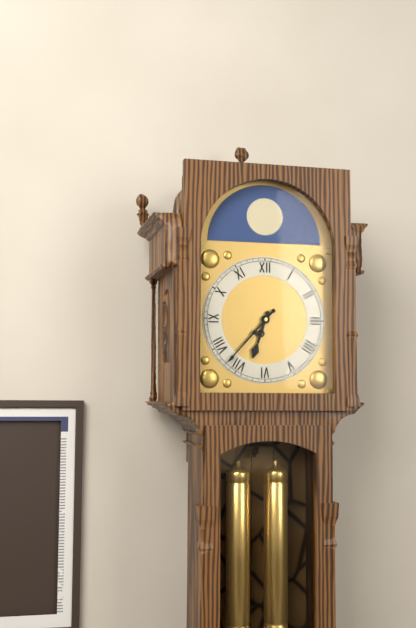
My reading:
6 h 37 min
